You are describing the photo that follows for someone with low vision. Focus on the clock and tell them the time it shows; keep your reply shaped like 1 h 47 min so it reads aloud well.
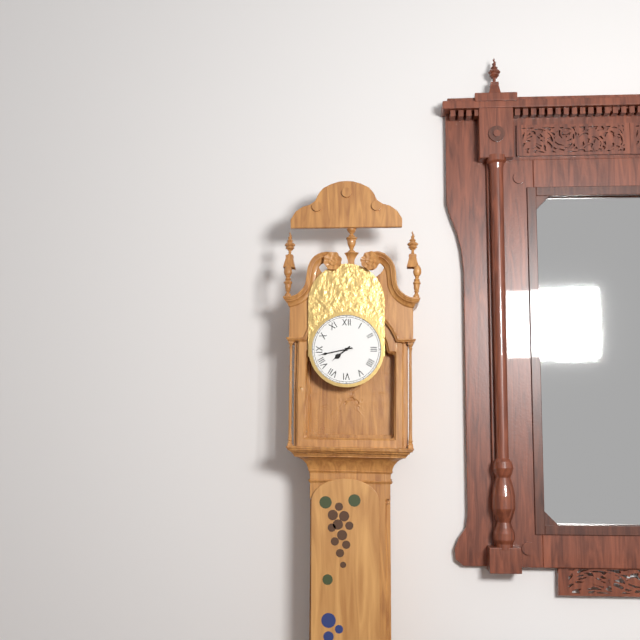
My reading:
7 h 43 min
